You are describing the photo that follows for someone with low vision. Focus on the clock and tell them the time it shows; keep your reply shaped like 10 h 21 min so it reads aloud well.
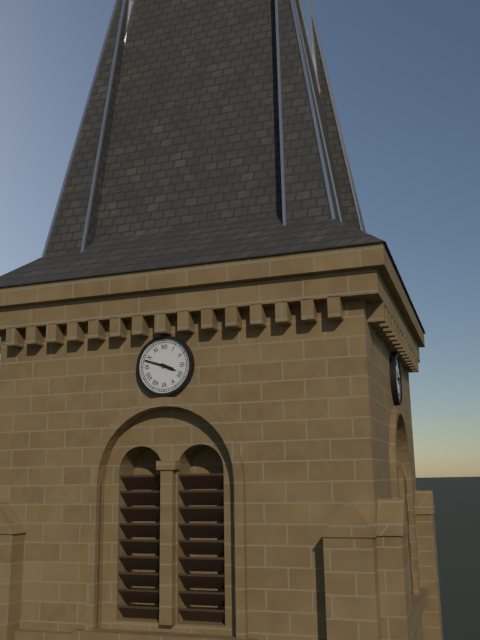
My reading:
3 h 48 min
